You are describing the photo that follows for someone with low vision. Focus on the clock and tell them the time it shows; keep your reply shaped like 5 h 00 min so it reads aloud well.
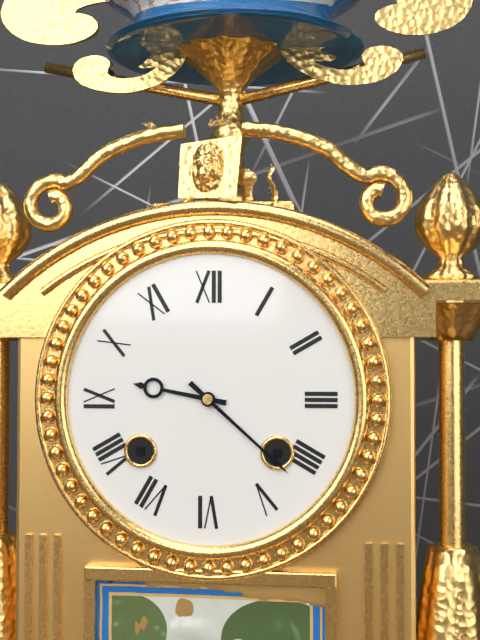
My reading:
9 h 22 min
